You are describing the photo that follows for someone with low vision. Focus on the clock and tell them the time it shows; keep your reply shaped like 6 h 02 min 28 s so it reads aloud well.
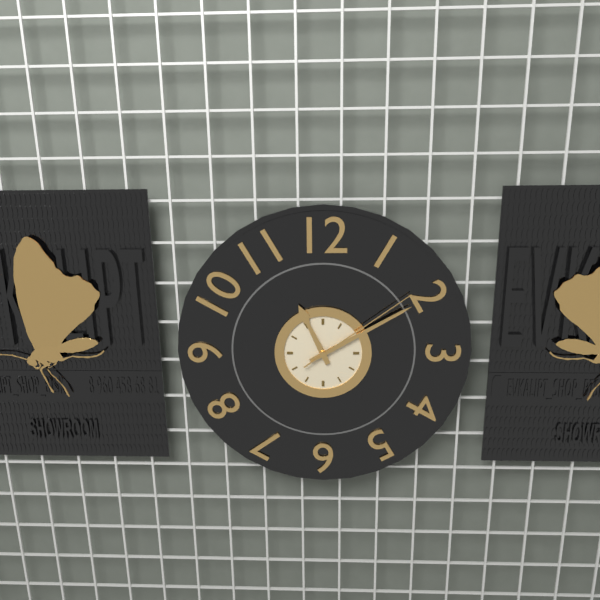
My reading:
11 h 10 min 09 s
